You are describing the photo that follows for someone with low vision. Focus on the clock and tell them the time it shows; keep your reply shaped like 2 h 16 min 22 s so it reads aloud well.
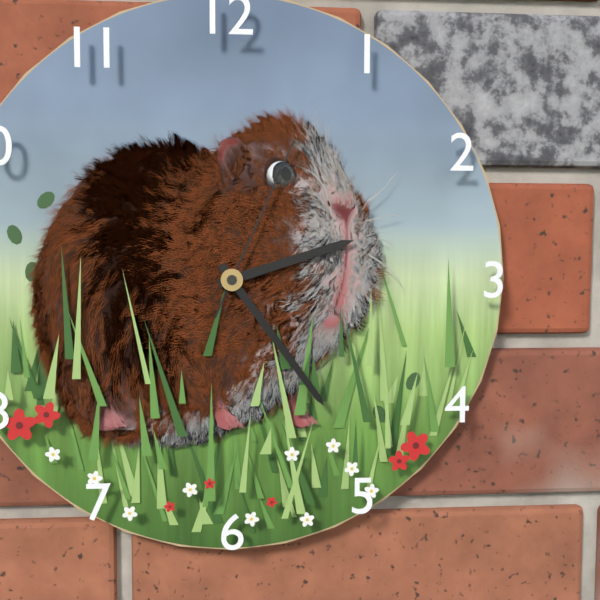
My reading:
2 h 24 min 04 s
